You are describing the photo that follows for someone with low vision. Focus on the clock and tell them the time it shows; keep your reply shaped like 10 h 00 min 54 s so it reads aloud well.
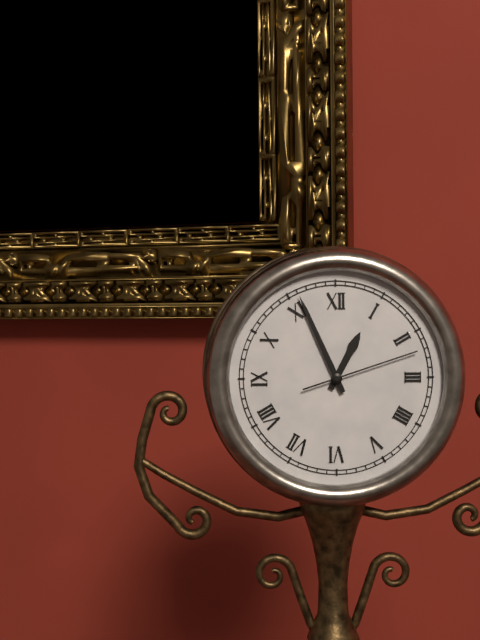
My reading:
12 h 56 min 12 s
